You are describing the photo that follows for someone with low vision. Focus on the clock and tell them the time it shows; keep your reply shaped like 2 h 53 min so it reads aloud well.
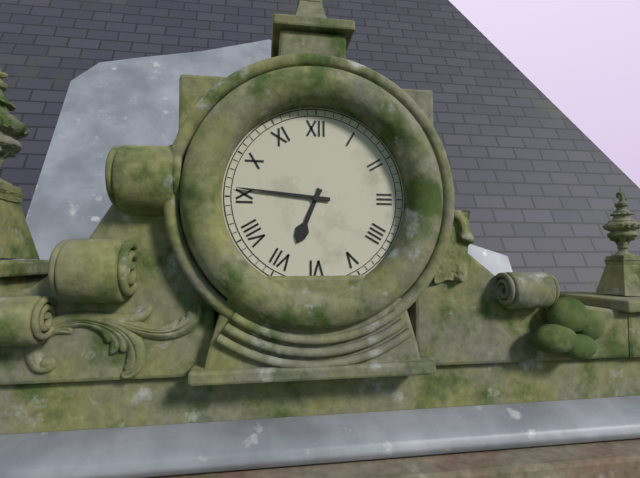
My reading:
6 h 46 min
